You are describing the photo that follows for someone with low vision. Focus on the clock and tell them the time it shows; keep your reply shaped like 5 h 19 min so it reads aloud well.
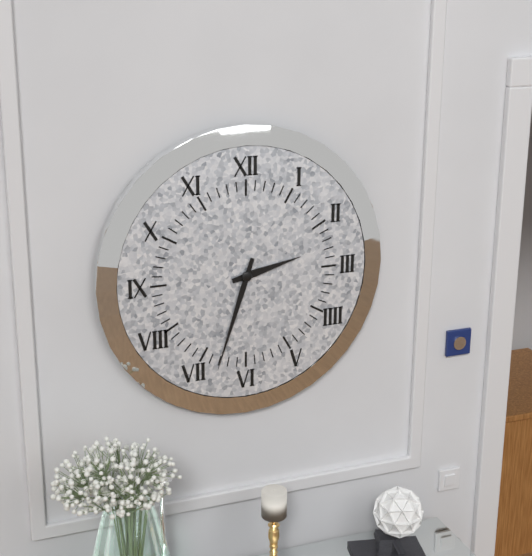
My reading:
2 h 33 min
